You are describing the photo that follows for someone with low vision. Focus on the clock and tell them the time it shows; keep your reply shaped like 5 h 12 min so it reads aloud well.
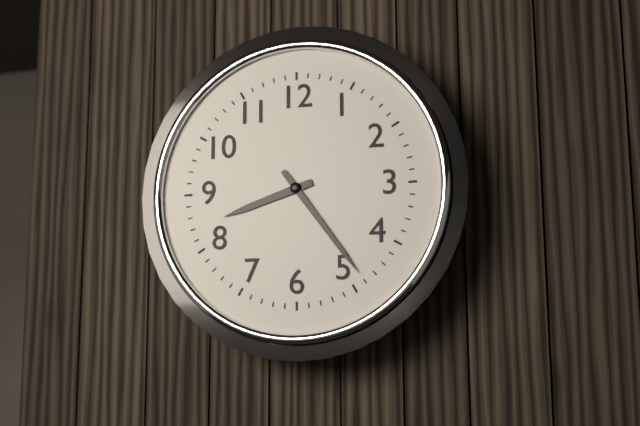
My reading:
8 h 24 min
